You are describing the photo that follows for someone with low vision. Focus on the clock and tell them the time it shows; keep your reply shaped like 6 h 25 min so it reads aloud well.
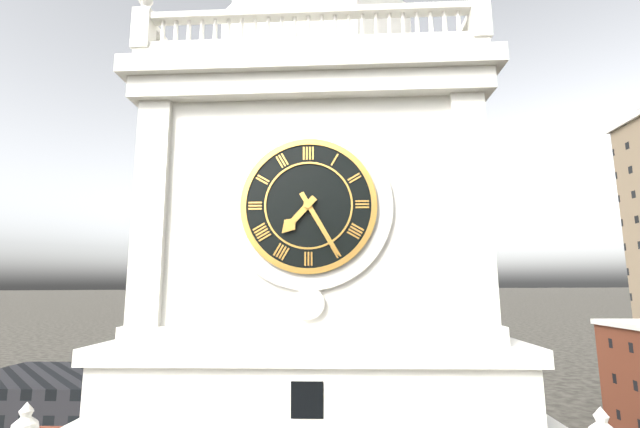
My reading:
7 h 25 min
